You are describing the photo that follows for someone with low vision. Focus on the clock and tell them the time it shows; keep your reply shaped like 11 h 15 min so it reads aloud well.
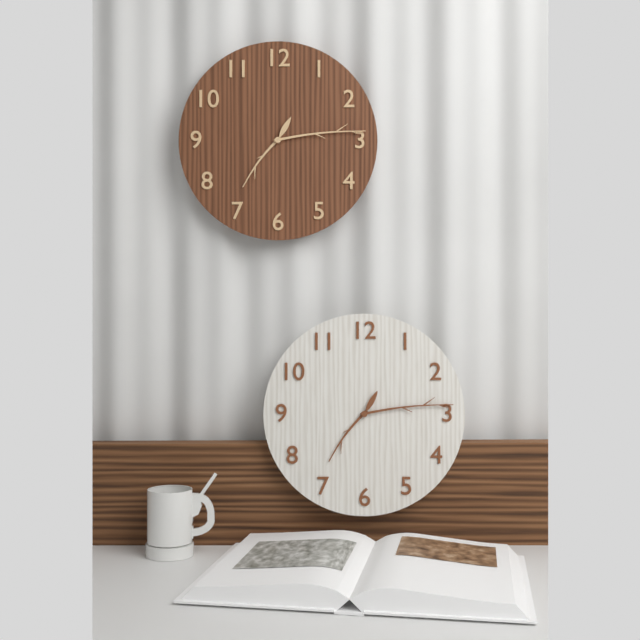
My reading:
7 h 14 min
